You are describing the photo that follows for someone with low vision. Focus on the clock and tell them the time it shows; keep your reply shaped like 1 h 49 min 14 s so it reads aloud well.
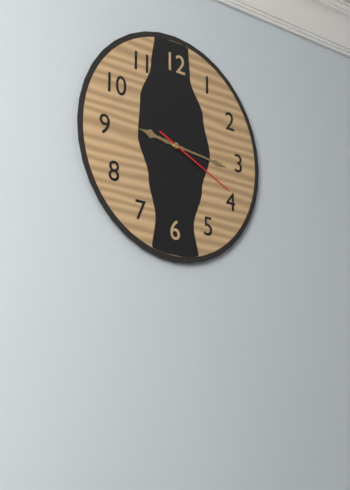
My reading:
9 h 16 min 19 s
